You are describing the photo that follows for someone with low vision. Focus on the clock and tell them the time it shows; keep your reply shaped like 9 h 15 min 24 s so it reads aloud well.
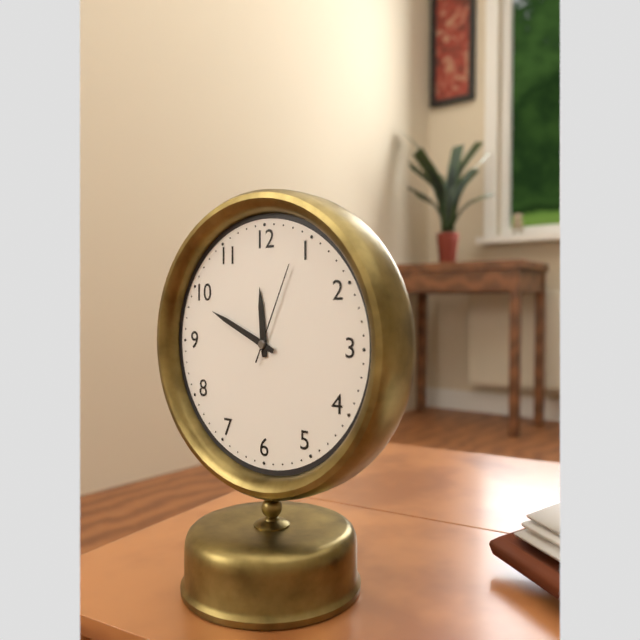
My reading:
11 h 49 min 04 s
